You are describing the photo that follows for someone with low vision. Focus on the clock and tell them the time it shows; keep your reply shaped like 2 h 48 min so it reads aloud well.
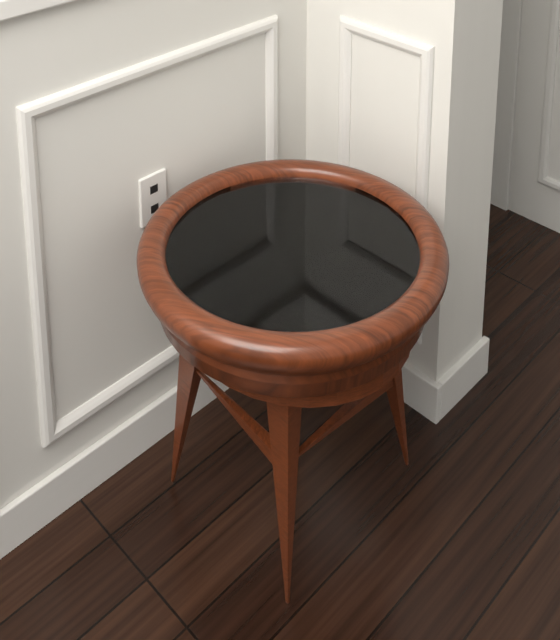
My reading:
1 h 52 min
